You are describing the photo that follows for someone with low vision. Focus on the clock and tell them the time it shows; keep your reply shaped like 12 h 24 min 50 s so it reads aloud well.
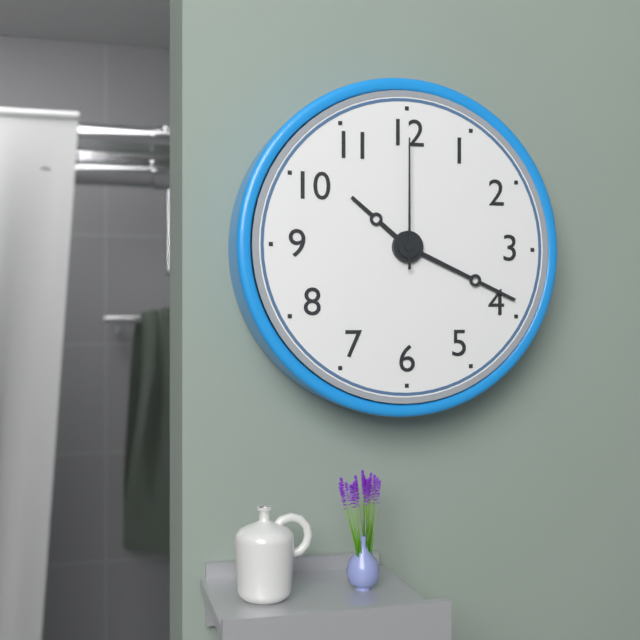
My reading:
10 h 19 min 00 s
